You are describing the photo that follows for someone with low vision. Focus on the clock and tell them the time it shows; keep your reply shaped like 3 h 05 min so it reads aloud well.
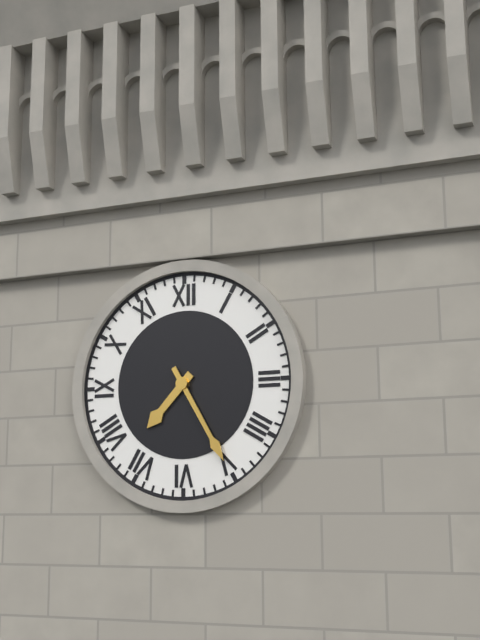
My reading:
7 h 25 min
